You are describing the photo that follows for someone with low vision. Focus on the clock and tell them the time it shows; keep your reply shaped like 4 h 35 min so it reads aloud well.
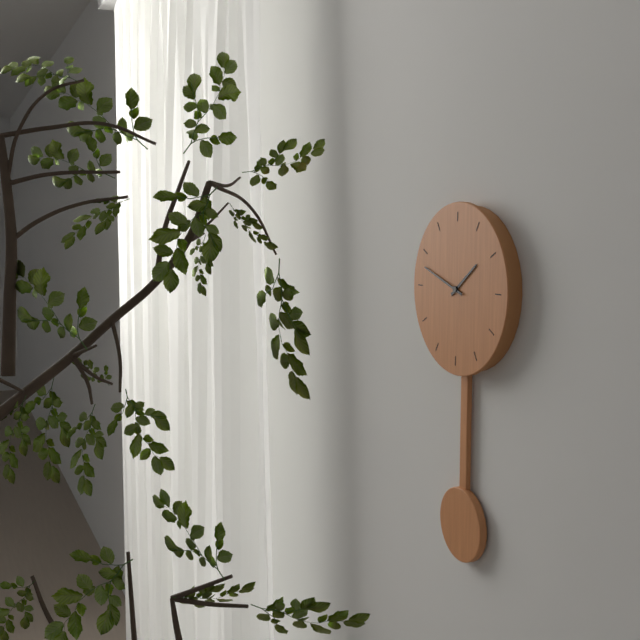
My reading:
1 h 48 min
